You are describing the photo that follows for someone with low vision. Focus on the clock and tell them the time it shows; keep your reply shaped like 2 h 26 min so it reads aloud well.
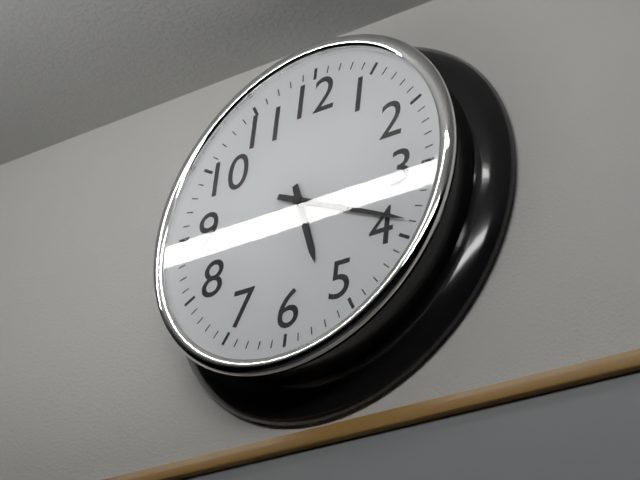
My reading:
5 h 19 min
